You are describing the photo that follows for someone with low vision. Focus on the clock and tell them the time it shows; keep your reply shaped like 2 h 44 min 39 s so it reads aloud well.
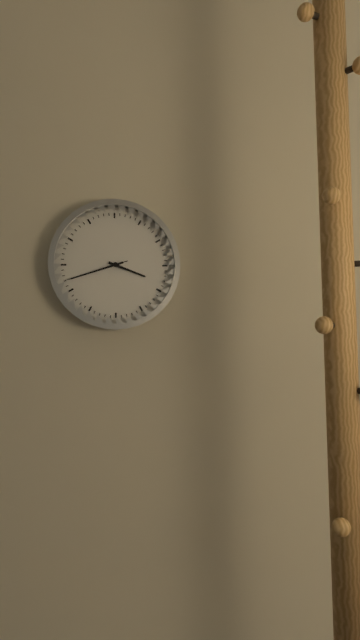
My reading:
3 h 42 min 42 s
